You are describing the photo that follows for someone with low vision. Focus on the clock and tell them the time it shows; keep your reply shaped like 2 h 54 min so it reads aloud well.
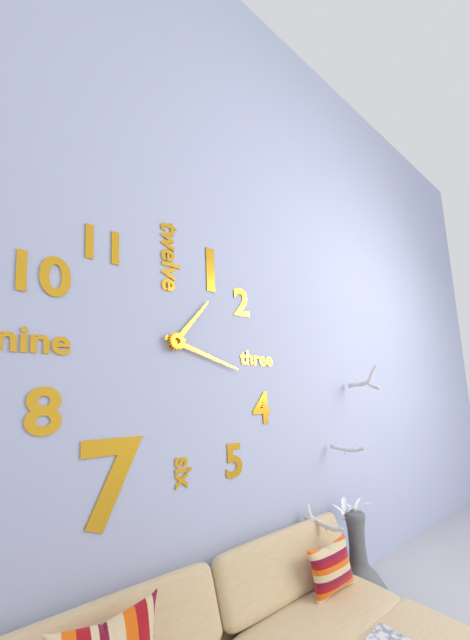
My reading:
1 h 18 min
